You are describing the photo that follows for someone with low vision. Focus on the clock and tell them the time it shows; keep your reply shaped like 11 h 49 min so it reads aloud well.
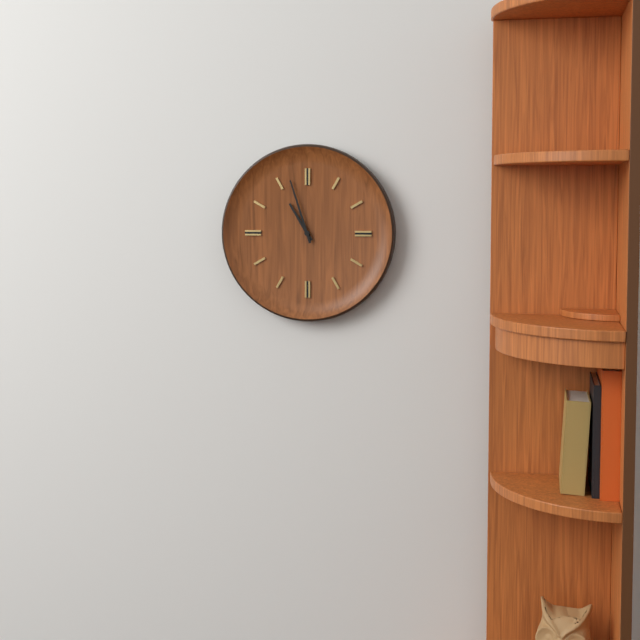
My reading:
10 h 57 min
